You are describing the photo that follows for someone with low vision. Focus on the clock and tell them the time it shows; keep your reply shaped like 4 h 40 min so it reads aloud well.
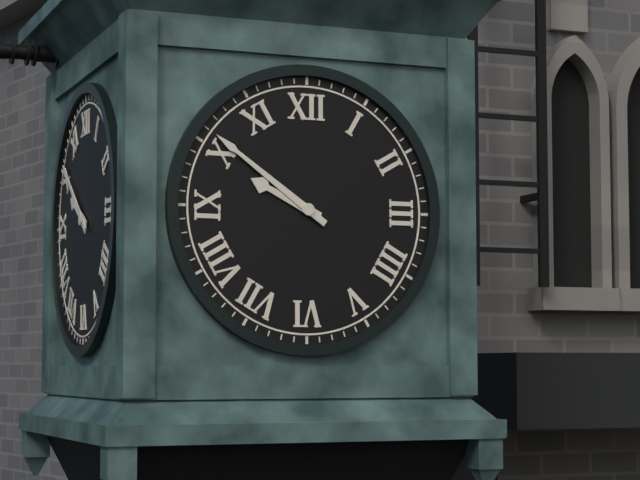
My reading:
9 h 51 min
